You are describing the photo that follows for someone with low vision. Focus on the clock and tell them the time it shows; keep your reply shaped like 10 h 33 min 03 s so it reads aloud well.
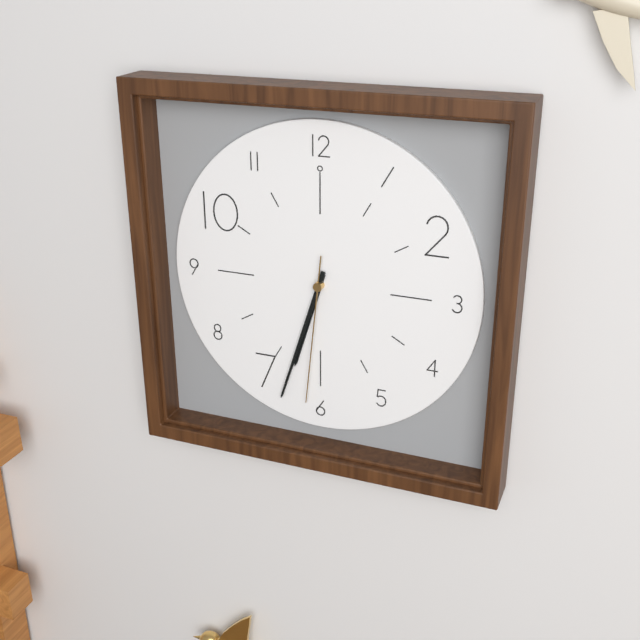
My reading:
6 h 33 min 31 s
